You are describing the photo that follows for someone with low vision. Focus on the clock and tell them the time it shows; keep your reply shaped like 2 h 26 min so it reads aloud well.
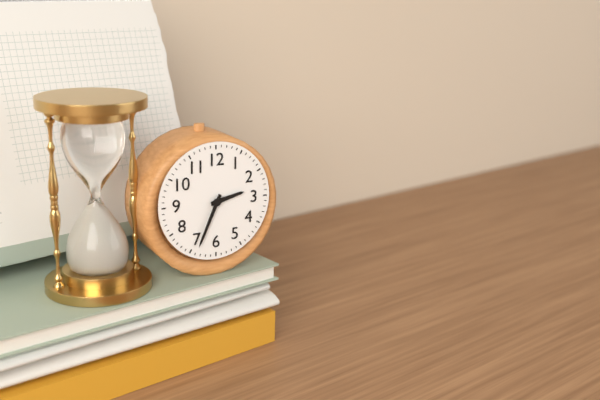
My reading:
2 h 34 min
